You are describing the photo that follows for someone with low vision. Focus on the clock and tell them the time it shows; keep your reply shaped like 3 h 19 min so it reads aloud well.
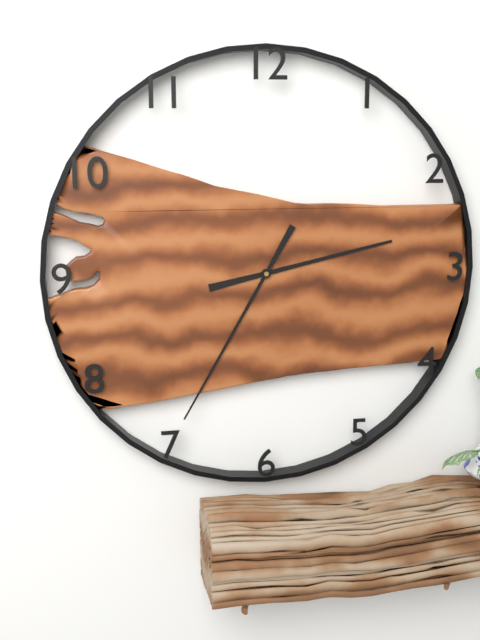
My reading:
2 h 35 min
